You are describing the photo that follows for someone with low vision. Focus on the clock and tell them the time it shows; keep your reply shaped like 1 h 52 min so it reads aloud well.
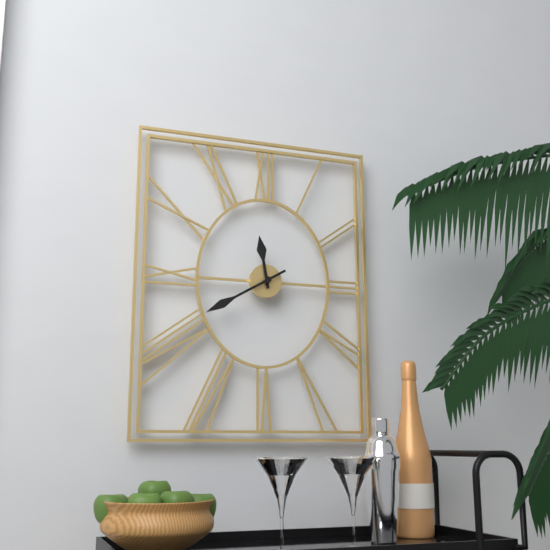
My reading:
11 h 40 min
